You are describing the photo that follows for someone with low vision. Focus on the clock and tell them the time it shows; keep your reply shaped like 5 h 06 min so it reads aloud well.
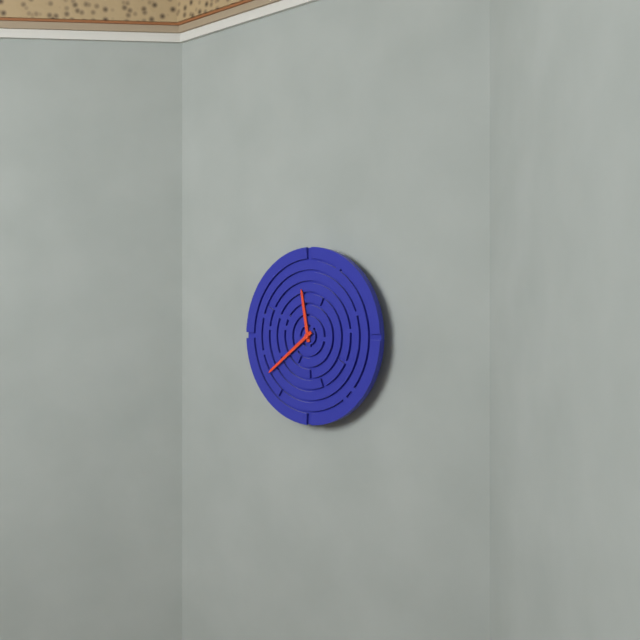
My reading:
11 h 39 min
